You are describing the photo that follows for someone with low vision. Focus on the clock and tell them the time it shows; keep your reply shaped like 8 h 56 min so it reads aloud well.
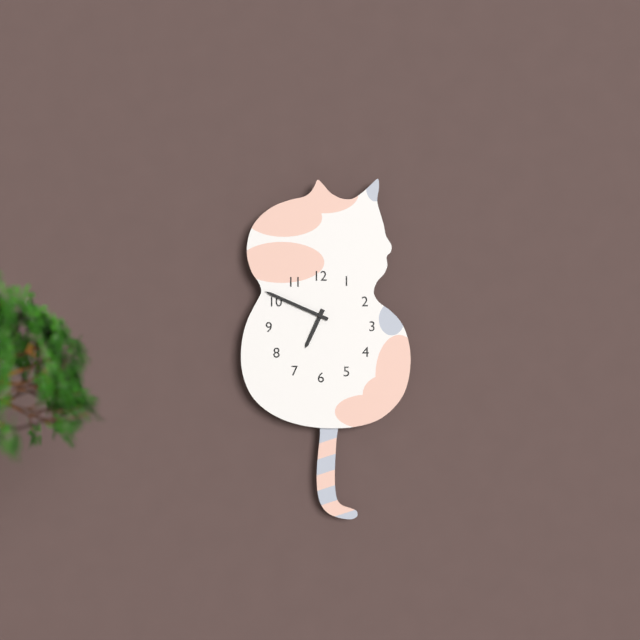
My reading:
6 h 49 min
